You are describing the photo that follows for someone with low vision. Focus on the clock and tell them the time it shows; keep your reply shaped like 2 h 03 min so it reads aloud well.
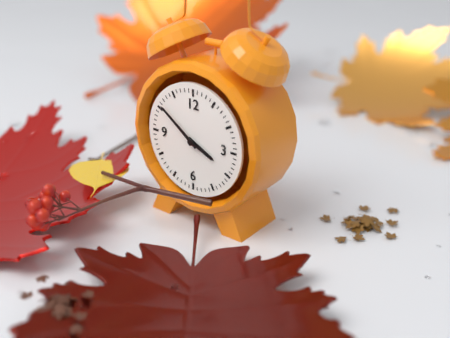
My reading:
3 h 51 min
